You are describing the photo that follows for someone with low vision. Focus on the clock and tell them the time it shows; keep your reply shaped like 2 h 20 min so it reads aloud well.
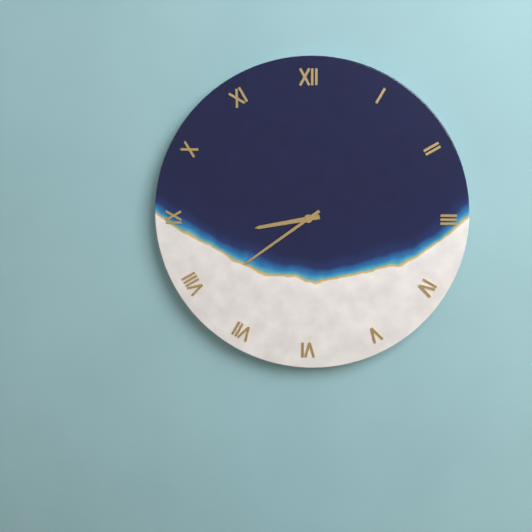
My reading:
8 h 39 min
